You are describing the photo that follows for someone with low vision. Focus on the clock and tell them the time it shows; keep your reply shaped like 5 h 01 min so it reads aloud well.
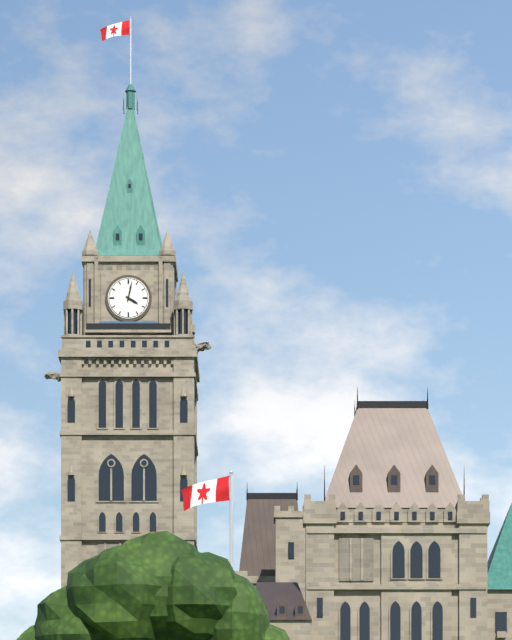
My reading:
4 h 02 min
